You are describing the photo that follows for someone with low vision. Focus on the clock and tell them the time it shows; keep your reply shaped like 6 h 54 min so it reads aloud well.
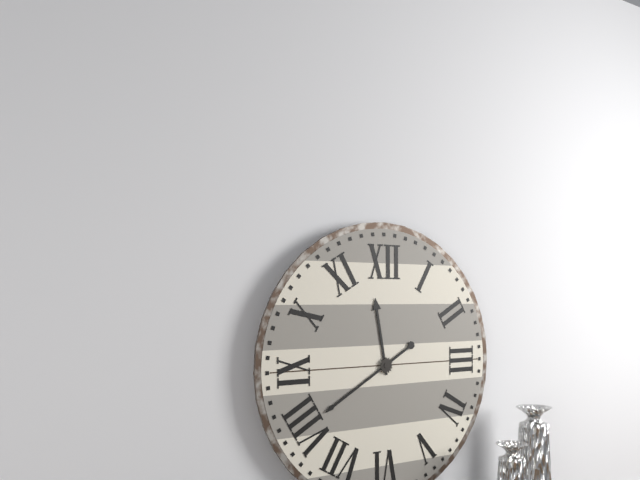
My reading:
11 h 40 min
